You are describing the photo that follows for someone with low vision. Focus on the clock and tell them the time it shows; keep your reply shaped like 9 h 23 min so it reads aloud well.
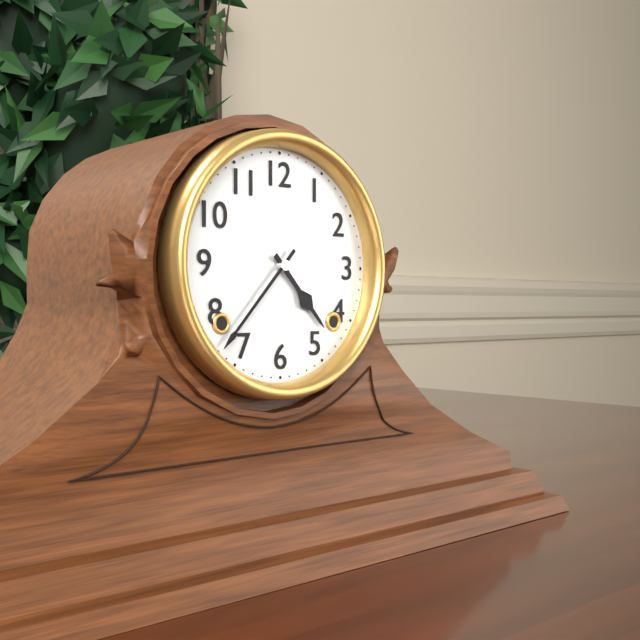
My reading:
4 h 37 min
